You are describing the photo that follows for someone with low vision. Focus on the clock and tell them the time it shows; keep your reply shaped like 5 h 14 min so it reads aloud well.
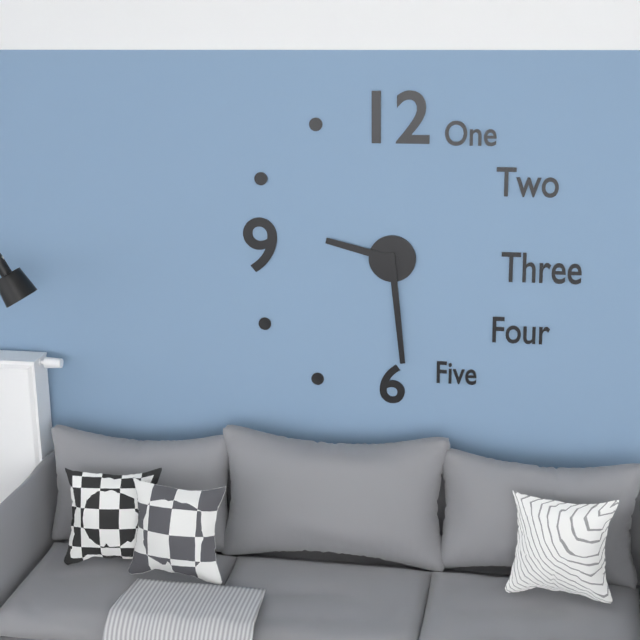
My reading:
9 h 29 min
